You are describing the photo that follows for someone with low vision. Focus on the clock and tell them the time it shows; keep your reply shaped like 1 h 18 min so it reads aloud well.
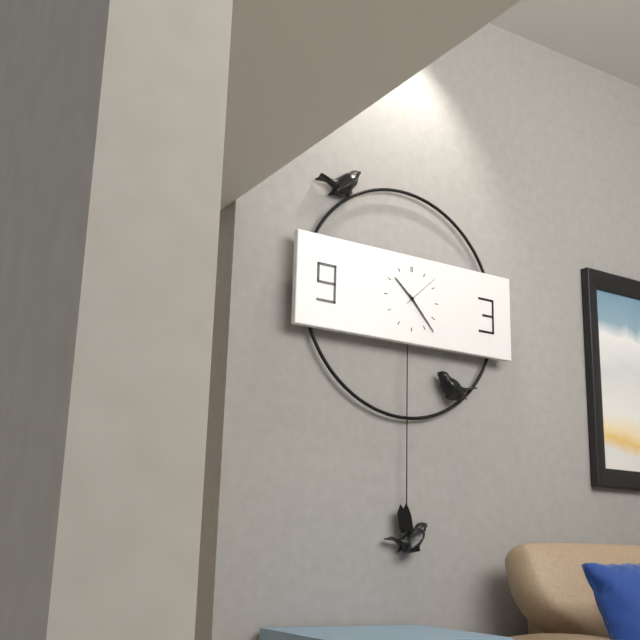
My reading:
10 h 23 min
